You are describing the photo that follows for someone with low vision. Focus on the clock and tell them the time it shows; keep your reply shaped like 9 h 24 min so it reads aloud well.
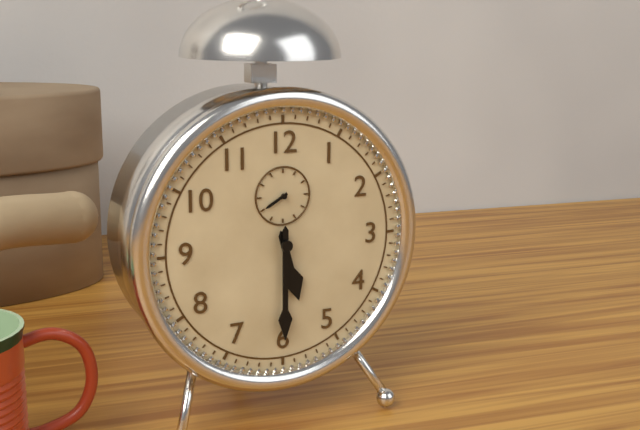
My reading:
5 h 30 min
